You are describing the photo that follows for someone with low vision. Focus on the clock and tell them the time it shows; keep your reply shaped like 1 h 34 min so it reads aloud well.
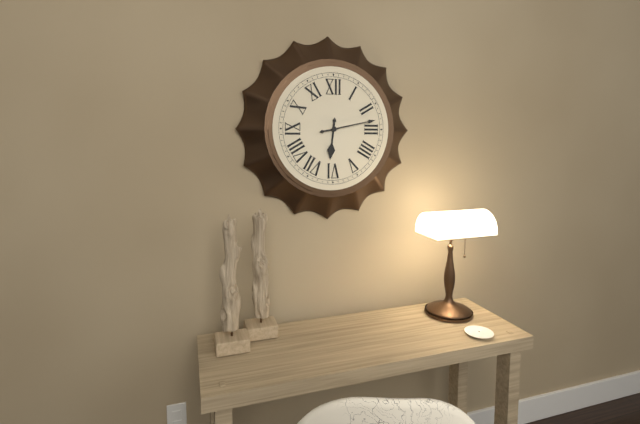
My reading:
6 h 13 min
